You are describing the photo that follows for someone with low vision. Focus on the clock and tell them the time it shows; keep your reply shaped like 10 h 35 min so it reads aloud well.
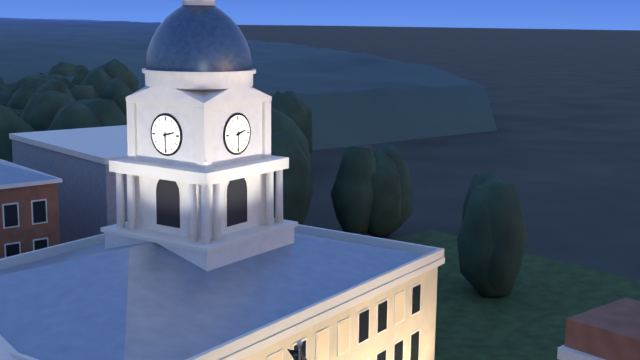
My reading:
2 h 30 min
